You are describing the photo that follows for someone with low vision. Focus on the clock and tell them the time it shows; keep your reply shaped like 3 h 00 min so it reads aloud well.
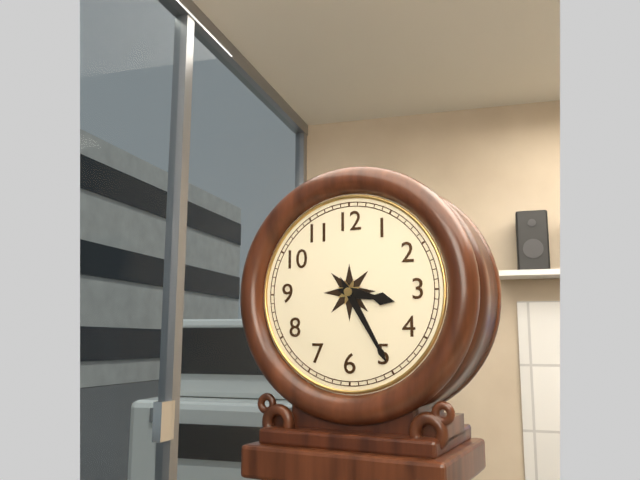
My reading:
3 h 25 min
